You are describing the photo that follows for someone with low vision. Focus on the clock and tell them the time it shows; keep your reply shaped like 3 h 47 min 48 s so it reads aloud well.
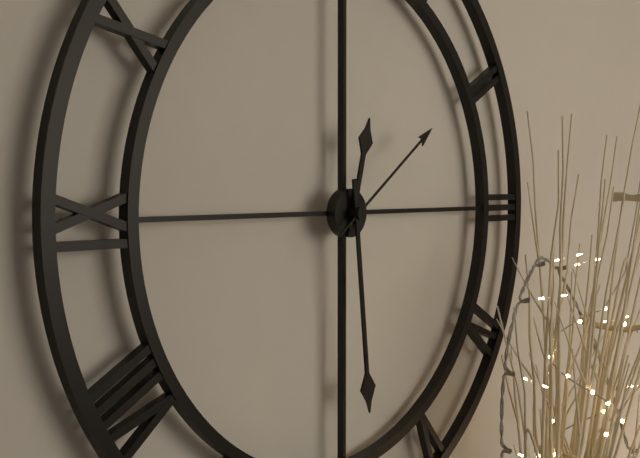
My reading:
12 h 29 min 09 s
